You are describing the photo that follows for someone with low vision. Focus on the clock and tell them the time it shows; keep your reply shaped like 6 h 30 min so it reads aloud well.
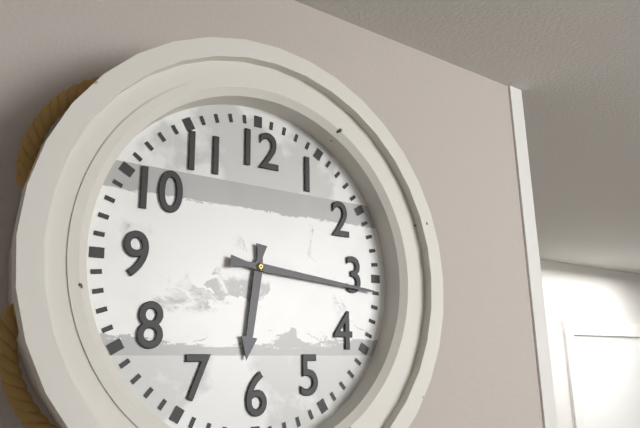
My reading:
6 h 16 min
